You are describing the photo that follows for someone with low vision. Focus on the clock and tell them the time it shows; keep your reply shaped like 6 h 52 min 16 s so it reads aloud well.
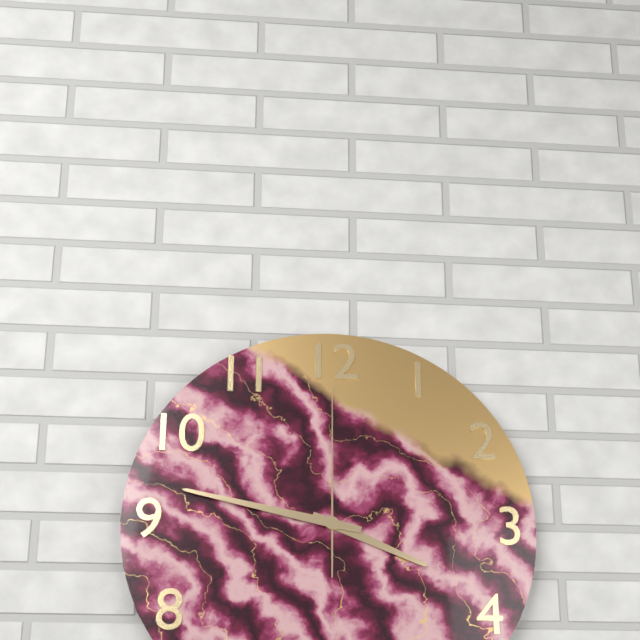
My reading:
3 h 47 min 00 s
